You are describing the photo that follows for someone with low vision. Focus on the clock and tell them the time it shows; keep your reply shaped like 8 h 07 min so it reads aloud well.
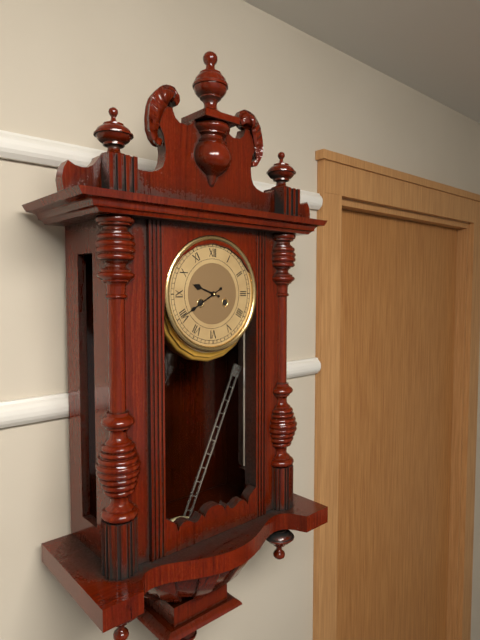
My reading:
9 h 40 min
